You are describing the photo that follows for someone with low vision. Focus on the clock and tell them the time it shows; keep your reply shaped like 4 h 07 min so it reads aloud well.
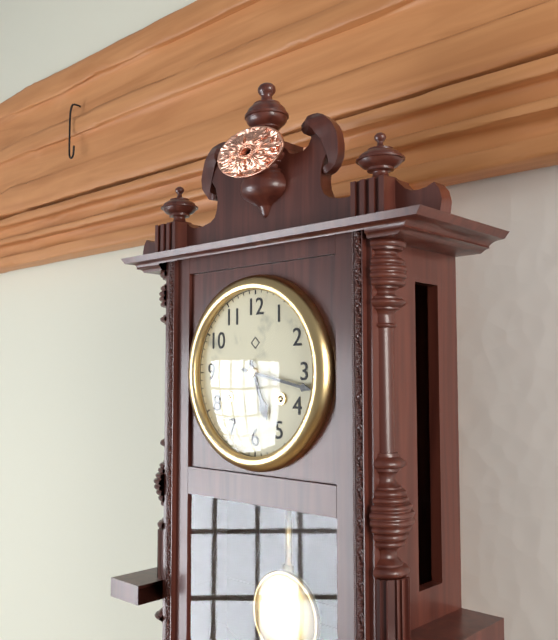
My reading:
5 h 17 min
